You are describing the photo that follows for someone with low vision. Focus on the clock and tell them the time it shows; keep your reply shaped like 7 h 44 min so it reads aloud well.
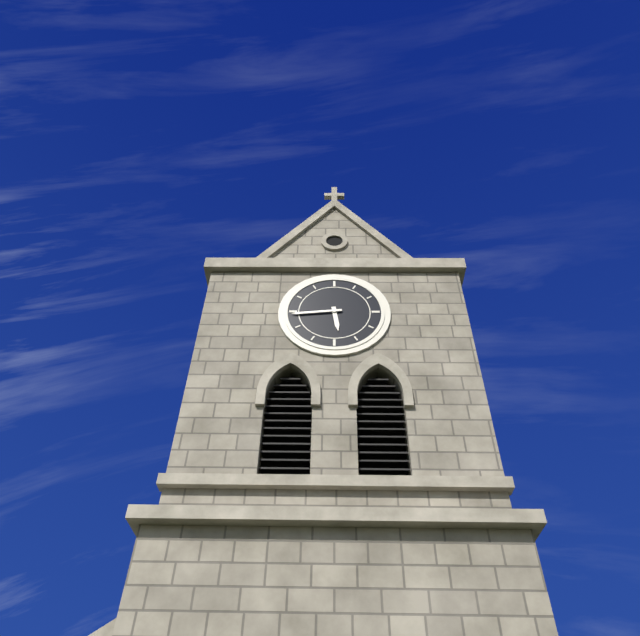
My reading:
5 h 44 min
